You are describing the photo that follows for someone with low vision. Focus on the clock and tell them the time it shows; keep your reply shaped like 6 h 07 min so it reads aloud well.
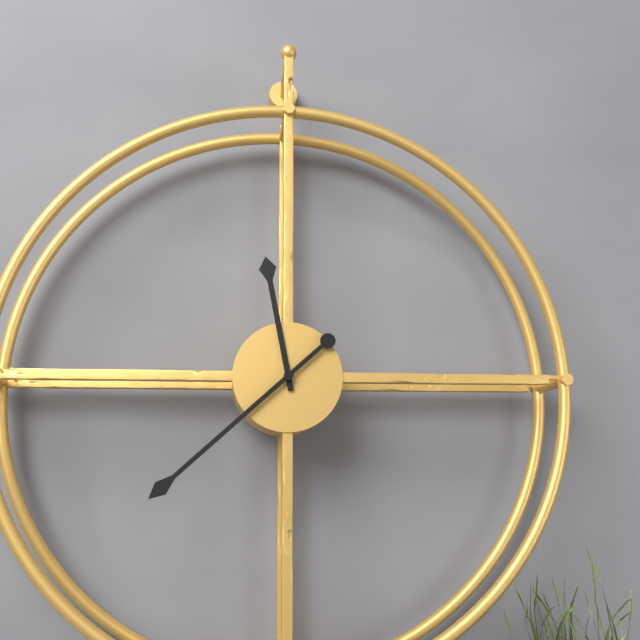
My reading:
11 h 38 min
